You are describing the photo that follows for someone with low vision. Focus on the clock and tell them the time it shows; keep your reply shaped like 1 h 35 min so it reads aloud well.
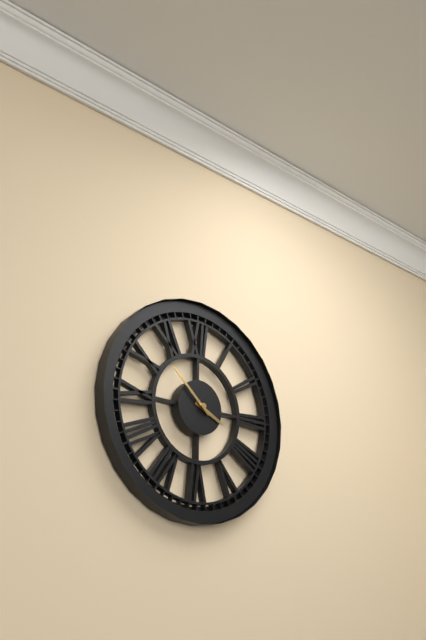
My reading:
3 h 52 min
